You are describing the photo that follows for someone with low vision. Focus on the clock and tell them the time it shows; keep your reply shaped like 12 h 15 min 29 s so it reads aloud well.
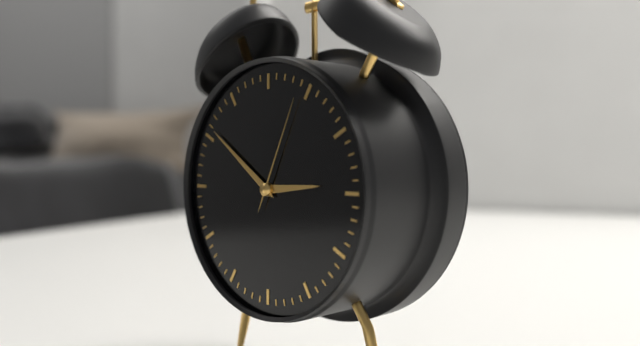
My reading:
2 h 51 min 04 s
